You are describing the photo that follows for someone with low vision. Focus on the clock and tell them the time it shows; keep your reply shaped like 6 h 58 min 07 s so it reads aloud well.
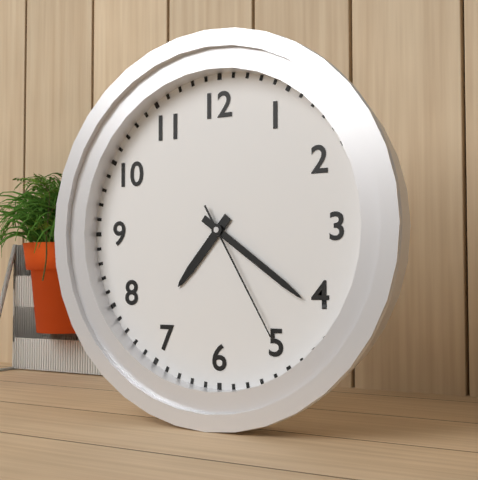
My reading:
7 h 21 min 25 s
